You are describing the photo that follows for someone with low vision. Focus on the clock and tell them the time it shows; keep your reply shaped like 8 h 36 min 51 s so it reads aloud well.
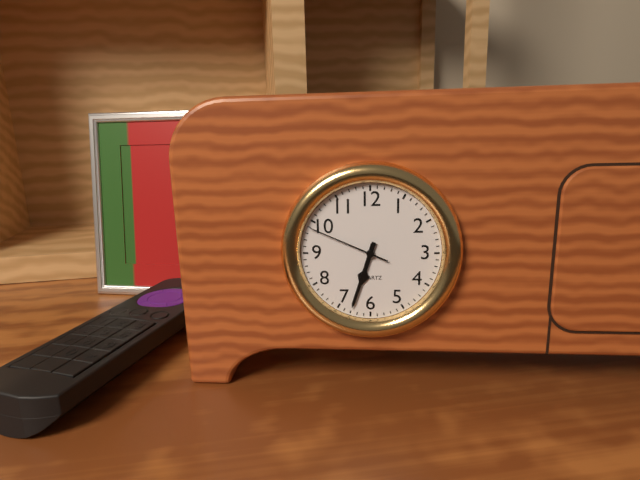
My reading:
6 h 33 min 49 s
